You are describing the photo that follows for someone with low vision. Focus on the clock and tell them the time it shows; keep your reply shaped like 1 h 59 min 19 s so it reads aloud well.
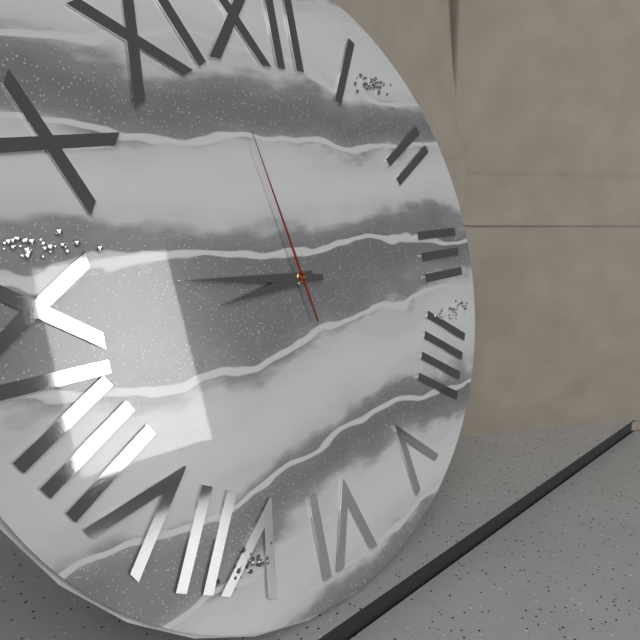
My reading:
8 h 46 min 58 s
